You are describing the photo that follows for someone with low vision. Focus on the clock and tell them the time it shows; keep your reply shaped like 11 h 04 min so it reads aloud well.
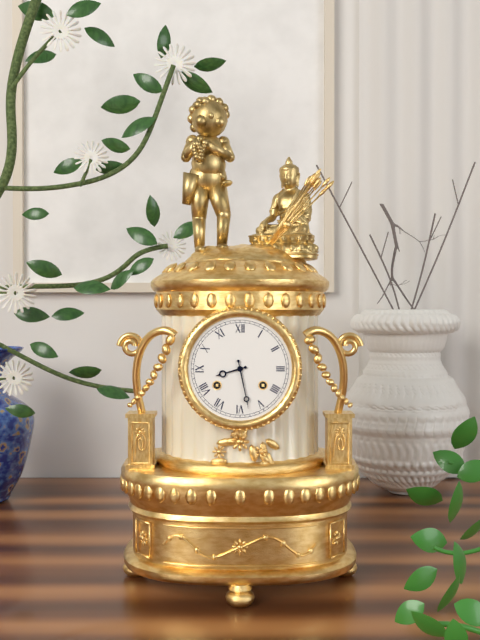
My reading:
8 h 28 min
